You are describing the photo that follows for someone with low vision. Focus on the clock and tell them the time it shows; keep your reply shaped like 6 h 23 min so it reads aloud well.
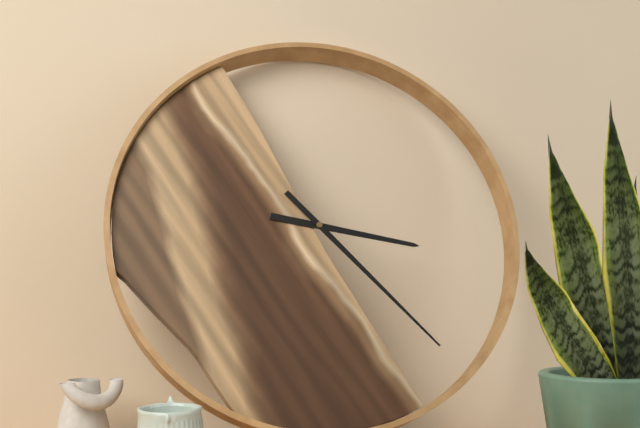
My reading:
3 h 23 min
